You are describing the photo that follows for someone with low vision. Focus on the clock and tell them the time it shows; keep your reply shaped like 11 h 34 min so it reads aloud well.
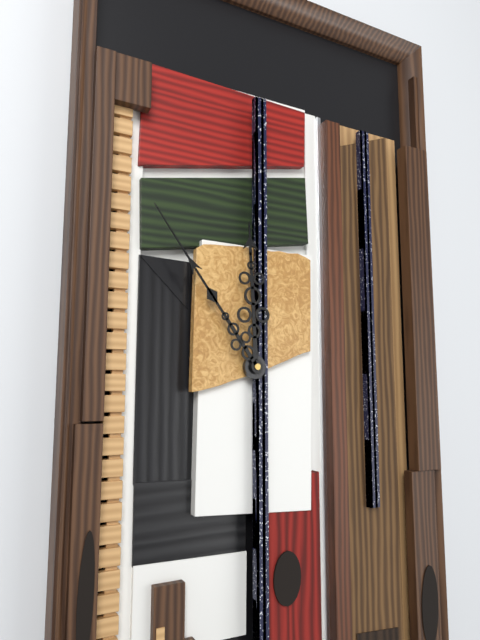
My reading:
11 h 54 min
